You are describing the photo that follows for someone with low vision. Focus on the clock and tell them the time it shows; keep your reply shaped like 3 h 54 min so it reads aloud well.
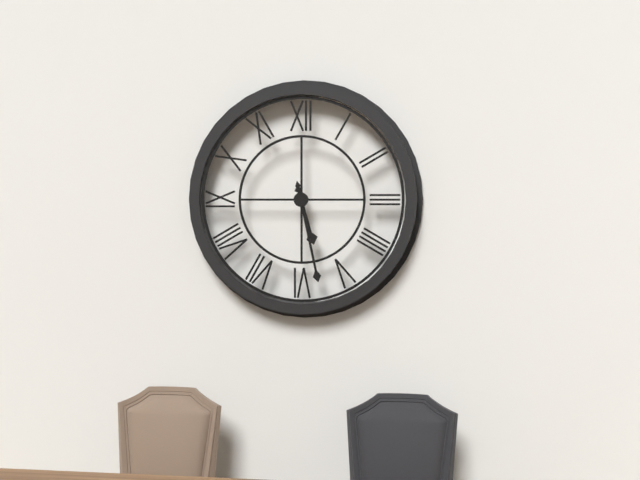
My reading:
5 h 28 min
